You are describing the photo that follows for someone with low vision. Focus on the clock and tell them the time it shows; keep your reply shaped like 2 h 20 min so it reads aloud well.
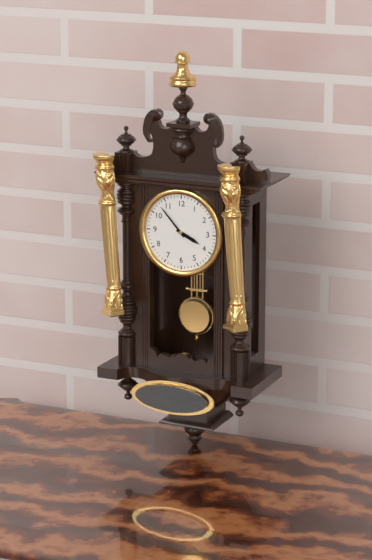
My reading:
3 h 53 min
